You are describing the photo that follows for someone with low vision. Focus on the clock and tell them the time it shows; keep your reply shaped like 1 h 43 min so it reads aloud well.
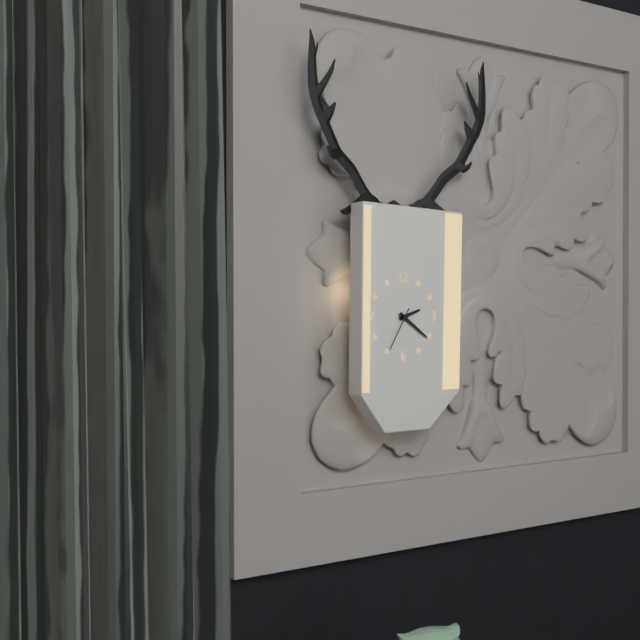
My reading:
2 h 21 min
